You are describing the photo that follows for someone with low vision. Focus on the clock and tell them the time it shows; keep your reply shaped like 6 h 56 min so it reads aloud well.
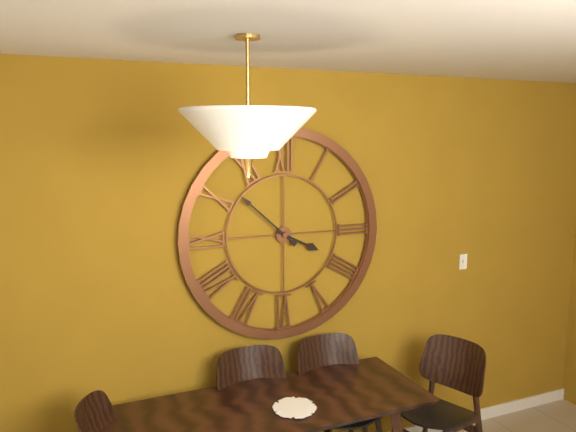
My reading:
3 h 52 min
